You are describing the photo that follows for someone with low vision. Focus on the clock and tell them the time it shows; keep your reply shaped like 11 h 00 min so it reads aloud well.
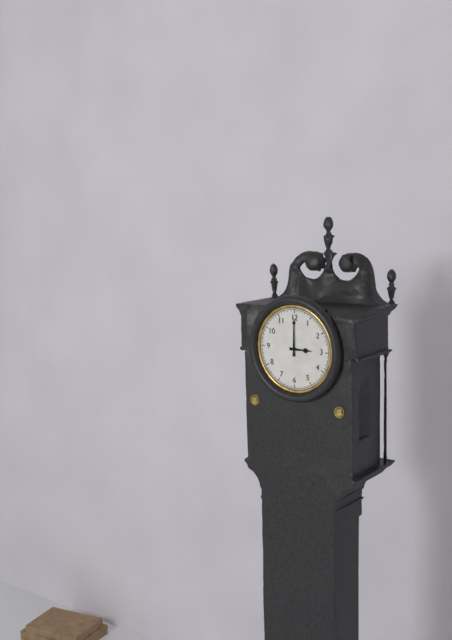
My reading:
3 h 00 min
